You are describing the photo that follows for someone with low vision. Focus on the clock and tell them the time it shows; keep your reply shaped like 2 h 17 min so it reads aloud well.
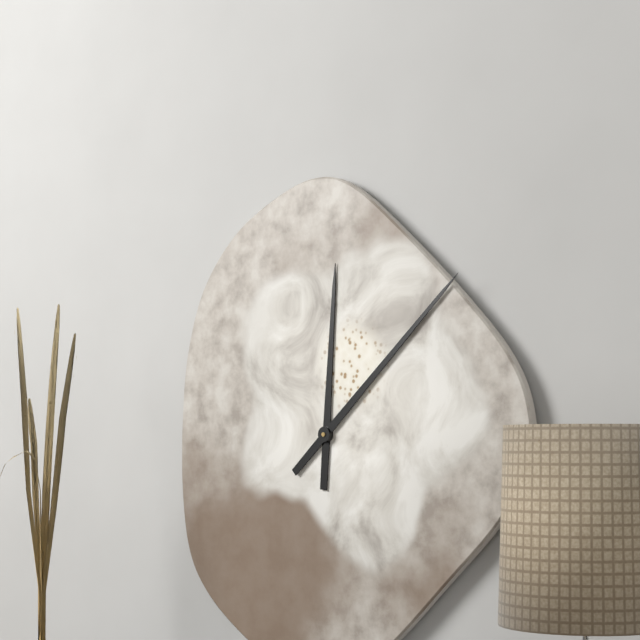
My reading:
12 h 08 min
